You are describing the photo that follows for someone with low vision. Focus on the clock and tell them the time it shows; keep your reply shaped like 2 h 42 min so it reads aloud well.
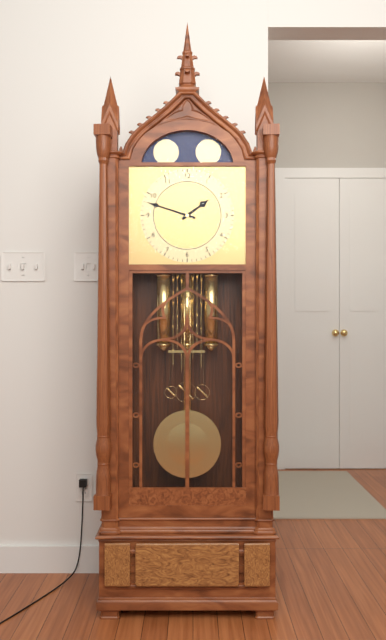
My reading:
1 h 48 min
